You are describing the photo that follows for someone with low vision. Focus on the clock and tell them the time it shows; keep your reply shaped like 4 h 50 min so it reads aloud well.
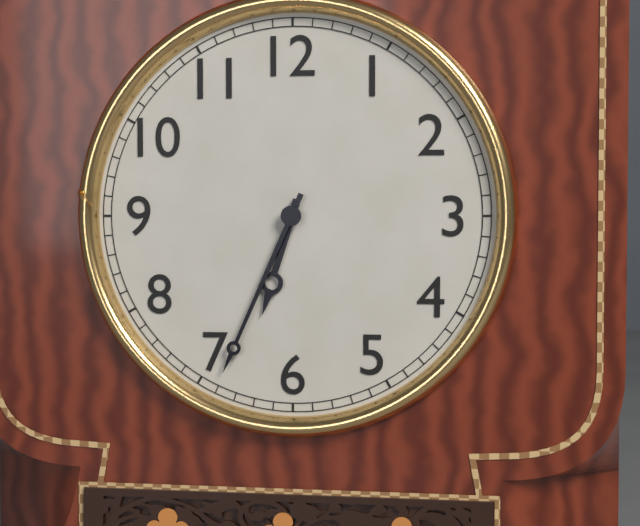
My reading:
6 h 34 min
